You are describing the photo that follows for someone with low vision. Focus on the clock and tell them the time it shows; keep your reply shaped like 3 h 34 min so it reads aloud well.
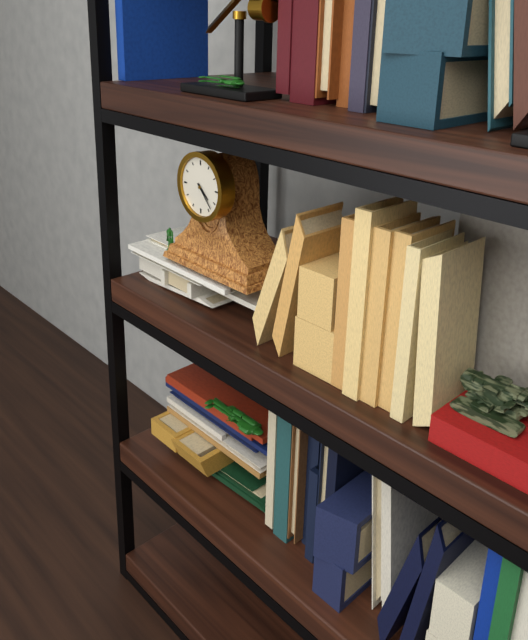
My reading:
4 h 23 min
